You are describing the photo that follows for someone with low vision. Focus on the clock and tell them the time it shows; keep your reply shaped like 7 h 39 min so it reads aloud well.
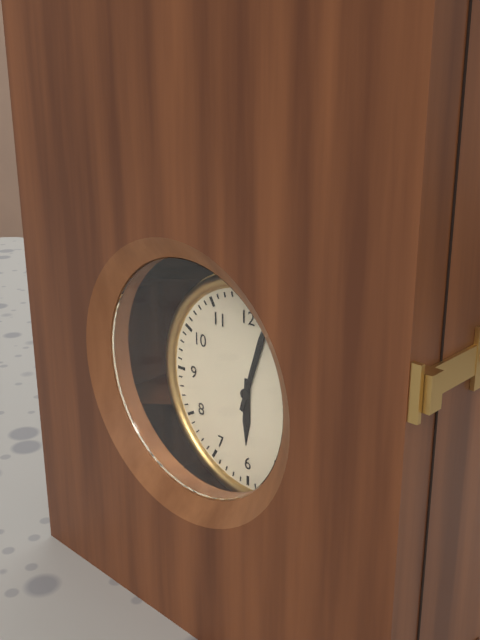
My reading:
6 h 03 min
